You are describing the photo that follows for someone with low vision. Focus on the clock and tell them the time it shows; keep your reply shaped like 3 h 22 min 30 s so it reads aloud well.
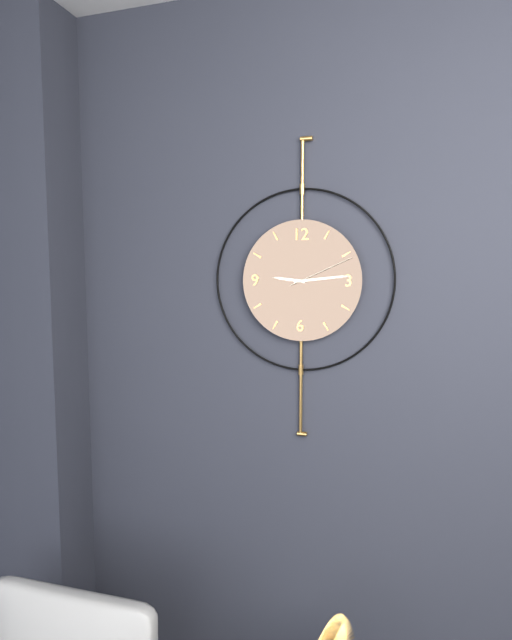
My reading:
9 h 14 min 11 s
